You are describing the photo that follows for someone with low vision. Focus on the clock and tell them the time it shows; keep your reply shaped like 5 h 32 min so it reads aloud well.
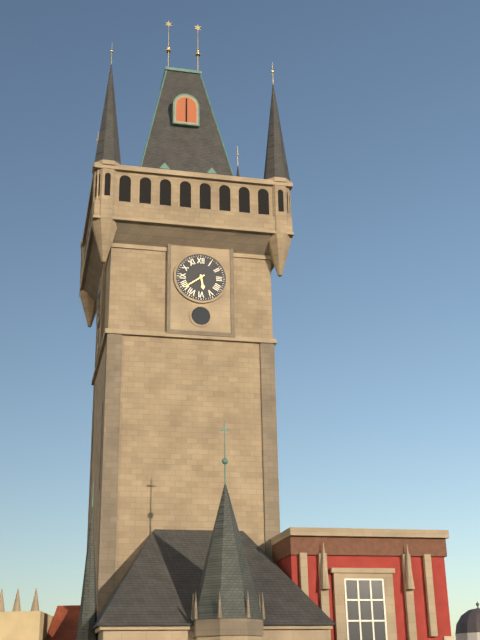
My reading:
5 h 39 min
